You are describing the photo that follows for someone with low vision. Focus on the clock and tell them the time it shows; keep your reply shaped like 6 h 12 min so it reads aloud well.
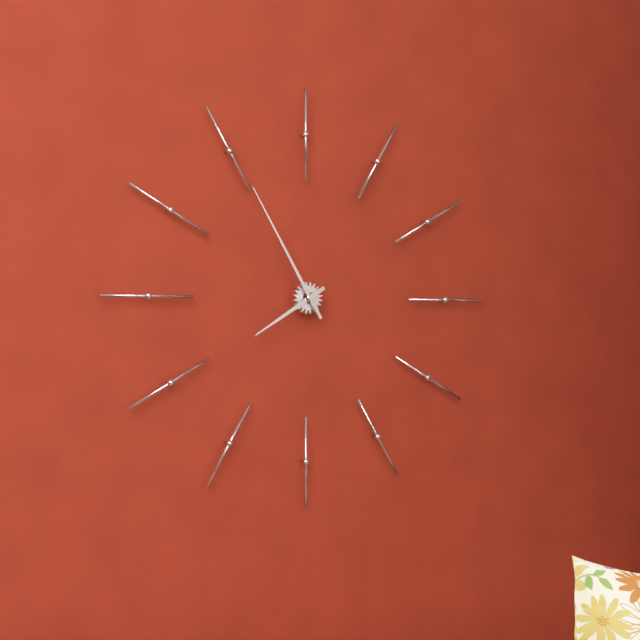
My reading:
7 h 55 min
